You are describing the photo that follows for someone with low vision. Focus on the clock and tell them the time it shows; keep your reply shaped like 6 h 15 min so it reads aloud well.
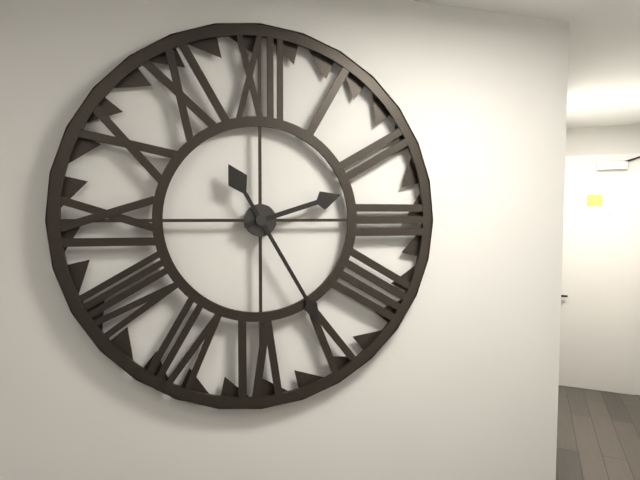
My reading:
2 h 25 min
